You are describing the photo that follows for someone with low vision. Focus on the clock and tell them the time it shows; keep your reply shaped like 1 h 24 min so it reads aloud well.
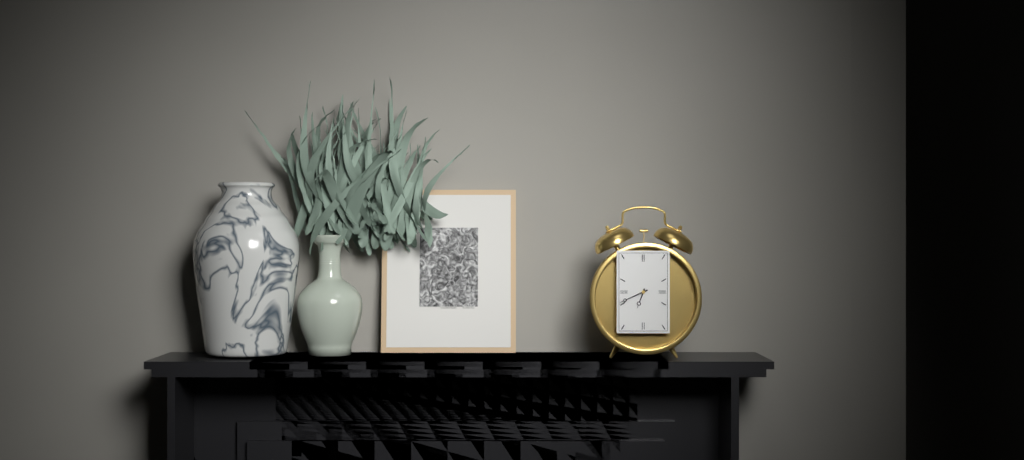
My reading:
6 h 41 min
